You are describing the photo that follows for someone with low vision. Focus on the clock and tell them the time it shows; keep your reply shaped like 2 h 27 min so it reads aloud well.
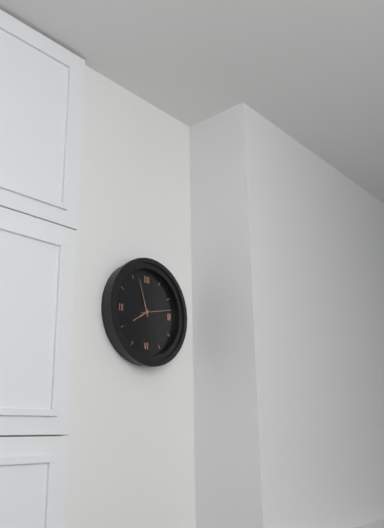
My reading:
7 h 57 min
